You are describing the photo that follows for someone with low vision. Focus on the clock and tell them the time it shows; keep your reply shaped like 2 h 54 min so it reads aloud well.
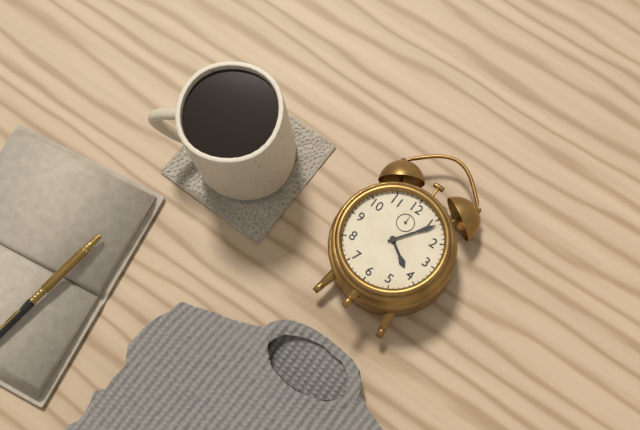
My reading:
4 h 06 min
